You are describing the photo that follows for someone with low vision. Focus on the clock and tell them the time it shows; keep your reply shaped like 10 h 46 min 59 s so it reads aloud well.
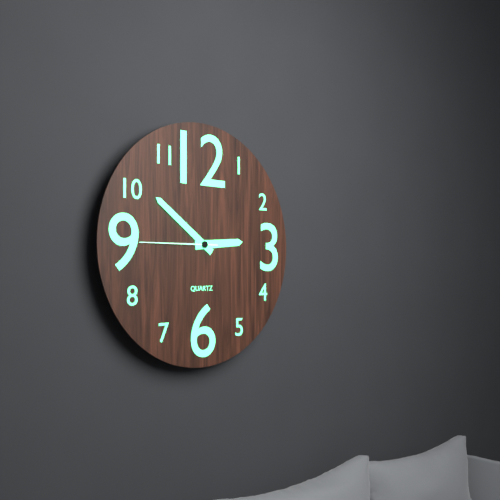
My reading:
2 h 51 min 45 s
